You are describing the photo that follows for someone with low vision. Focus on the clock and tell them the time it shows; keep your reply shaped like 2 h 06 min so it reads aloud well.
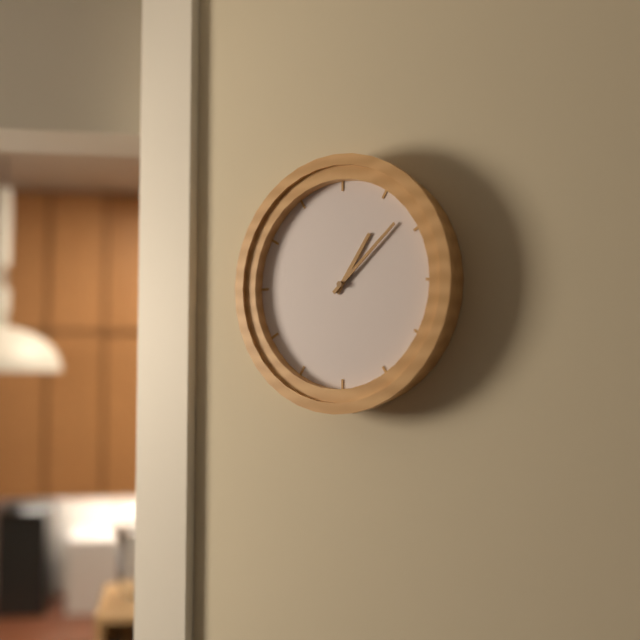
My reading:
1 h 08 min
